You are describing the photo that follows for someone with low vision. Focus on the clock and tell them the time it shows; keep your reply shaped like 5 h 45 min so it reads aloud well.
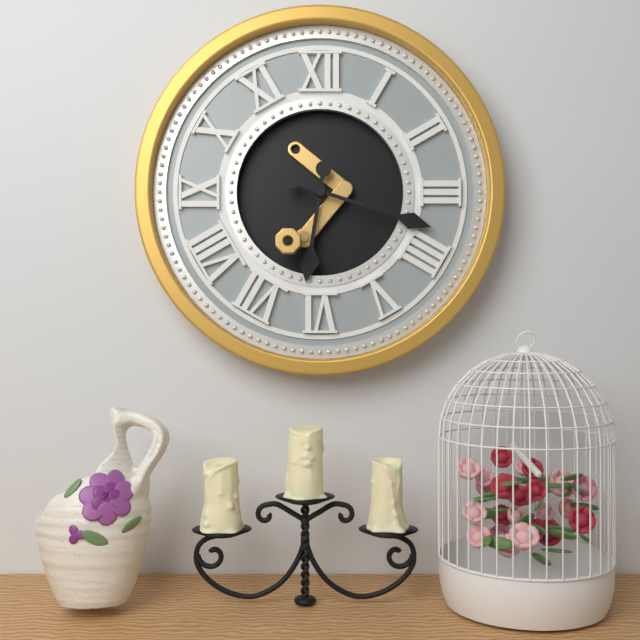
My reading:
6 h 18 min
